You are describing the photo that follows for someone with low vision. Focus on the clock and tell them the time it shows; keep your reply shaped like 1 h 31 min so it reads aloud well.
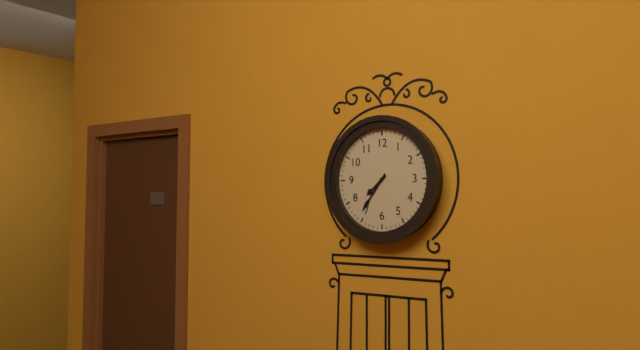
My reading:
7 h 36 min
